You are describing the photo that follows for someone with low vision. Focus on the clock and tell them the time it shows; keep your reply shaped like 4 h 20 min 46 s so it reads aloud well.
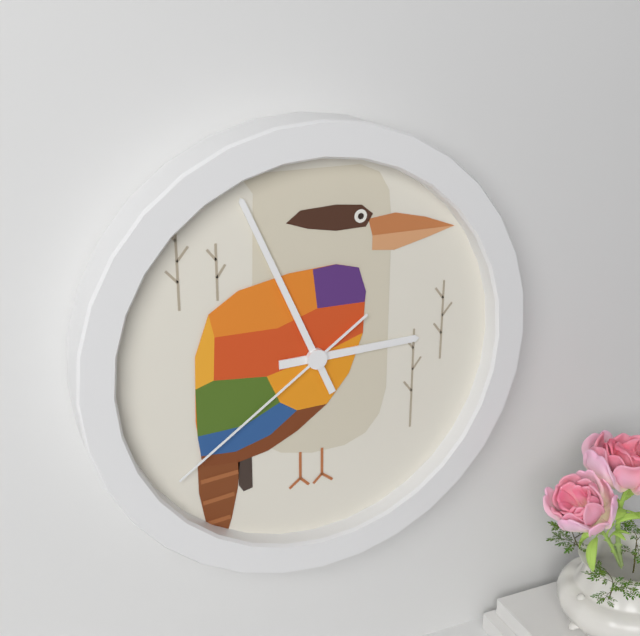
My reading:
2 h 56 min 39 s
